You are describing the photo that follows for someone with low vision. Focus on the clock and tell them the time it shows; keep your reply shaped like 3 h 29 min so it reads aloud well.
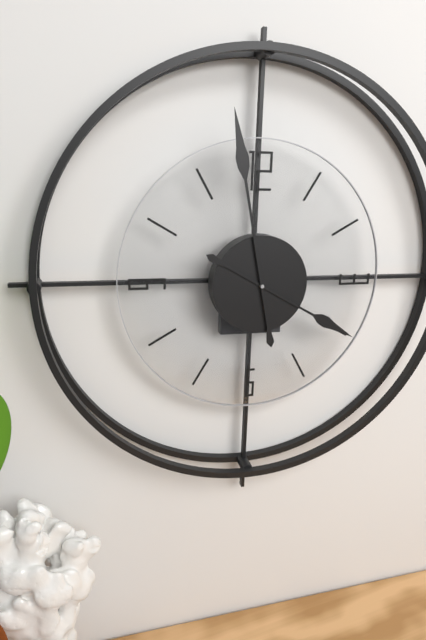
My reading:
3 h 58 min
